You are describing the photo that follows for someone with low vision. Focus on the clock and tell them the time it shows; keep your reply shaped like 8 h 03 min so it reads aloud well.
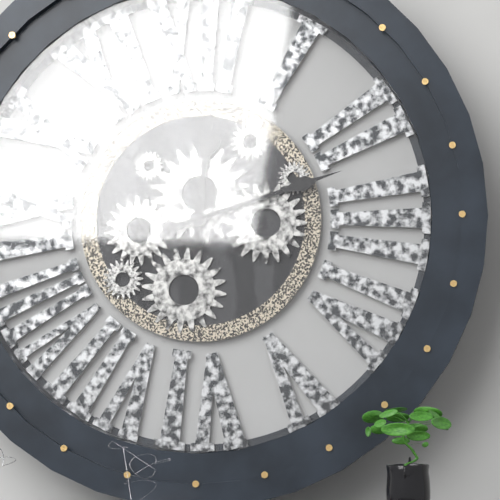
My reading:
12 h 12 min
